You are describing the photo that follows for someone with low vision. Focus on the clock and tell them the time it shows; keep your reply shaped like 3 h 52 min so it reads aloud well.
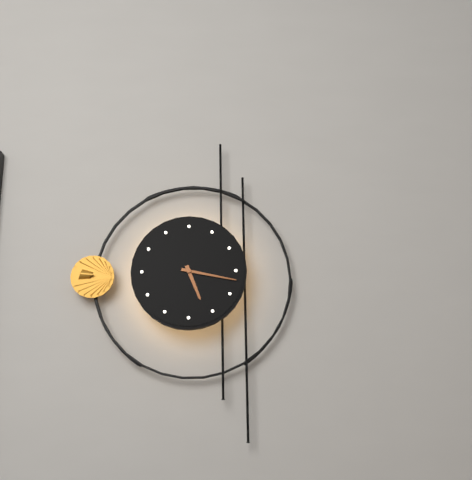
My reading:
5 h 17 min
